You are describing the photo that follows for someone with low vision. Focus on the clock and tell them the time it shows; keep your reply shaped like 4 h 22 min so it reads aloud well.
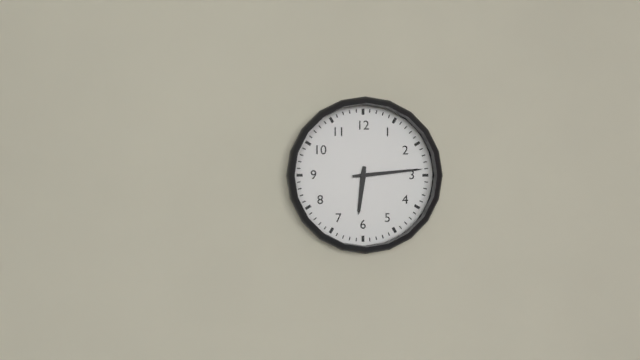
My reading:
6 h 14 min
